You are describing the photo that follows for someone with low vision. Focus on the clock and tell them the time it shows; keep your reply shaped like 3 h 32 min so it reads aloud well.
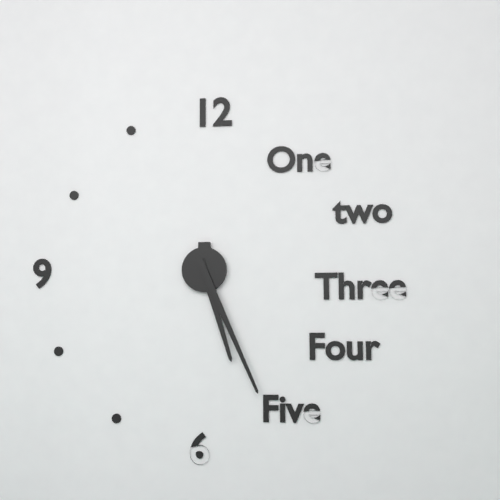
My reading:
5 h 26 min
